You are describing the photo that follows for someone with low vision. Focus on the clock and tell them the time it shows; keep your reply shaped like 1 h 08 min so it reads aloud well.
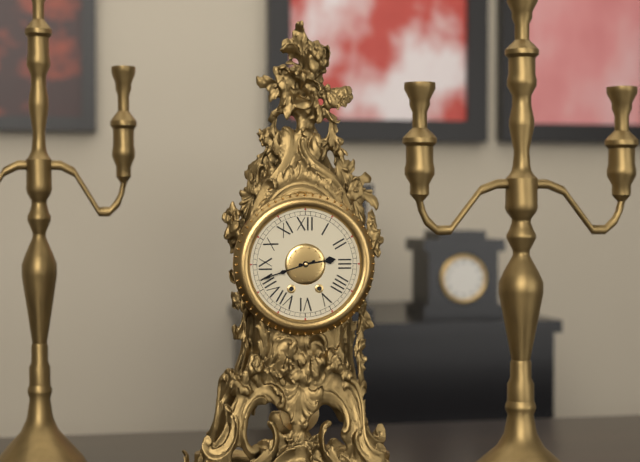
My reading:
2 h 42 min
